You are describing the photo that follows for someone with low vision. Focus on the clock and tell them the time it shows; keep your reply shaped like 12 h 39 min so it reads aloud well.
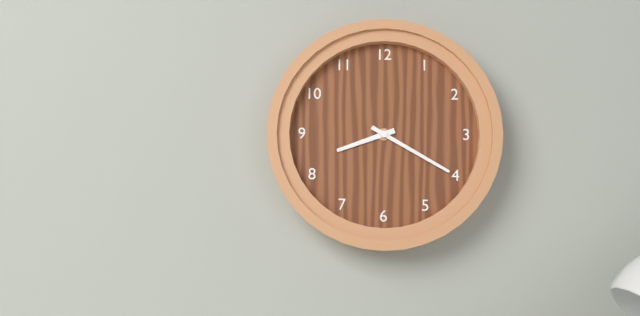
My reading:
8 h 20 min
